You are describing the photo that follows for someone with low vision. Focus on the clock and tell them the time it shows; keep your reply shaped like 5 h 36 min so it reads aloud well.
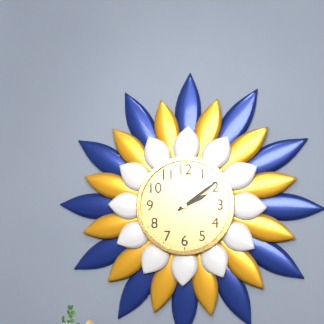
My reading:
2 h 09 min
